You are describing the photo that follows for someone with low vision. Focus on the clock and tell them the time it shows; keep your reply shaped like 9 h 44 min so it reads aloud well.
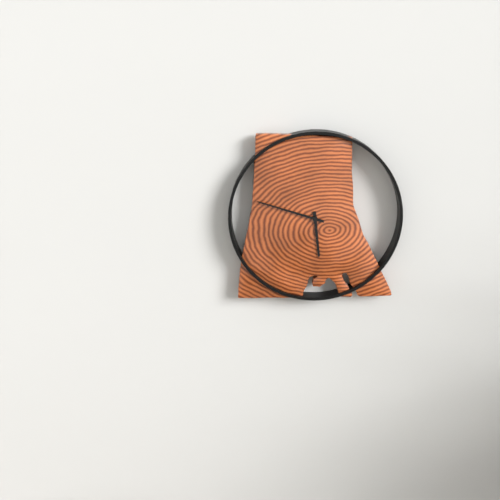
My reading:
5 h 48 min
